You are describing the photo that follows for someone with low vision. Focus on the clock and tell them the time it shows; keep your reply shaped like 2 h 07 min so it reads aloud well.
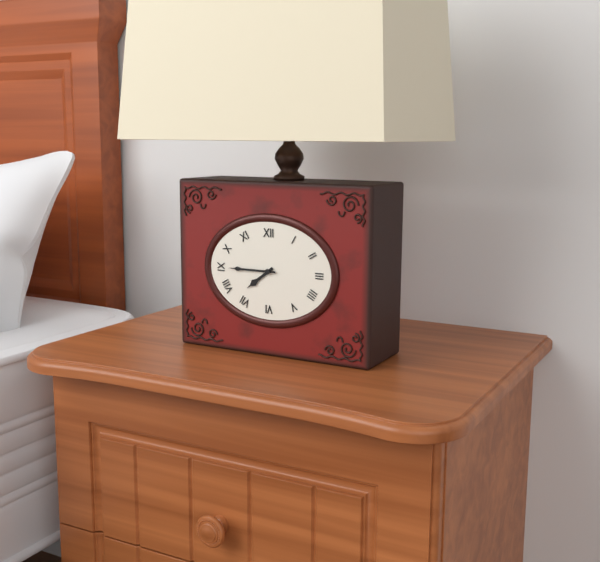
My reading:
7 h 45 min
